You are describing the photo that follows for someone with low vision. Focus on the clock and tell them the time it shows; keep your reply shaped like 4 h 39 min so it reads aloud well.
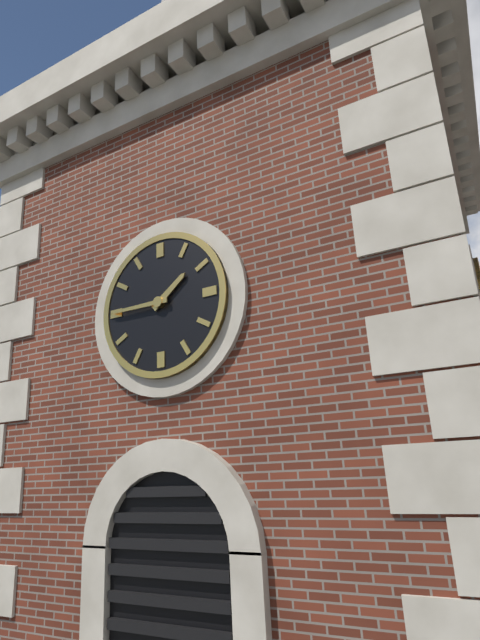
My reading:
1 h 45 min
